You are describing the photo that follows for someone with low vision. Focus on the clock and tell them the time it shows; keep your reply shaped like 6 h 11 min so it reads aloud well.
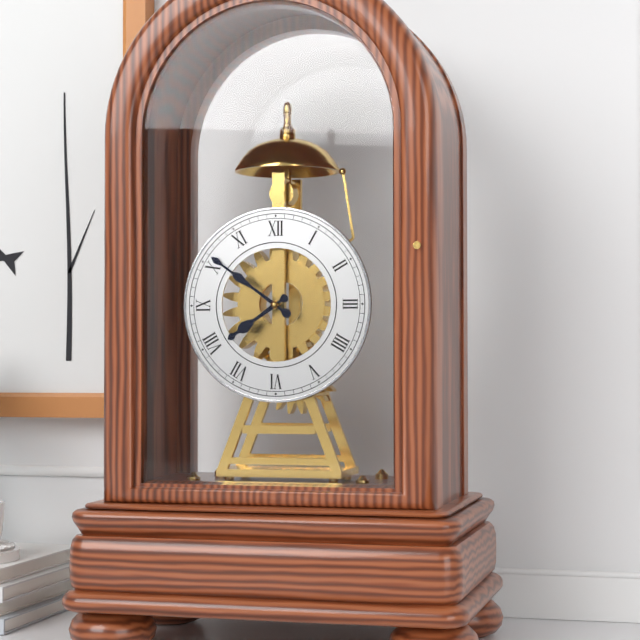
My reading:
7 h 51 min
